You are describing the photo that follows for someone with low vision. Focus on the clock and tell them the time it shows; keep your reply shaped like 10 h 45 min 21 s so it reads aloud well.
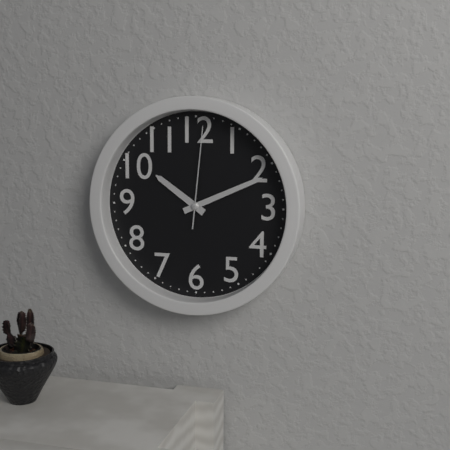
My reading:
10 h 11 min 01 s
